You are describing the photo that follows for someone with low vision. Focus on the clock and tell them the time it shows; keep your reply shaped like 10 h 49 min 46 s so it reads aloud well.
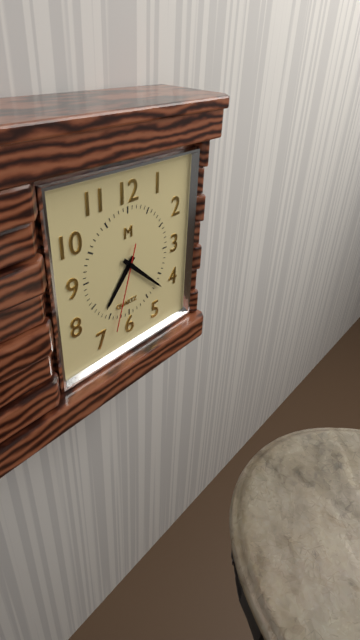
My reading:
7 h 22 min 33 s
